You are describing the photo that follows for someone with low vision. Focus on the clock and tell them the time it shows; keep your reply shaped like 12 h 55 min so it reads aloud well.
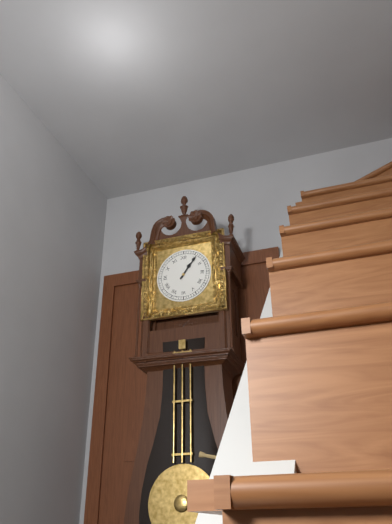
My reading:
1 h 06 min
